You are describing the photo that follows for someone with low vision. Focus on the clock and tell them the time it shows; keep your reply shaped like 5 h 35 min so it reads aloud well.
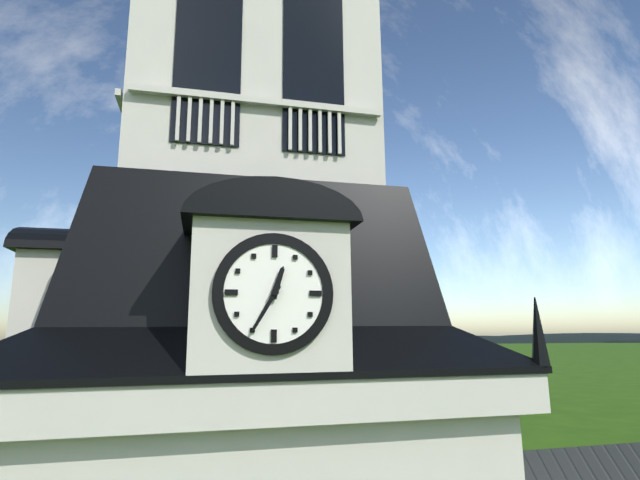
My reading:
12 h 35 min
